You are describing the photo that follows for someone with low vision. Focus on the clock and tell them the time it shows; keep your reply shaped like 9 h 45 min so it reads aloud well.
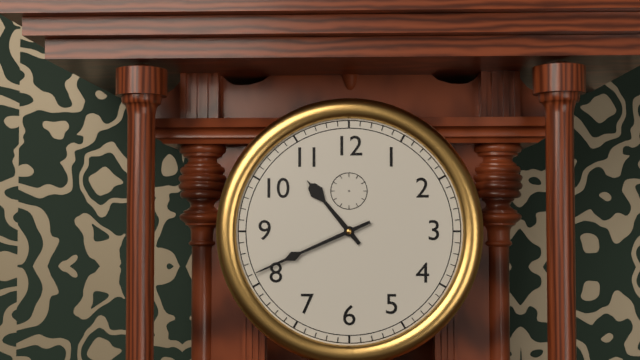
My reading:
10 h 41 min
